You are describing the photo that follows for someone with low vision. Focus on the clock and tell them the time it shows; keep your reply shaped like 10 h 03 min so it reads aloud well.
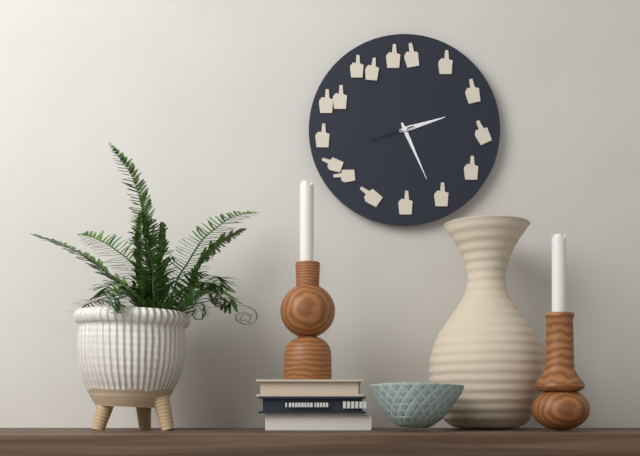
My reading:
2 h 26 min
